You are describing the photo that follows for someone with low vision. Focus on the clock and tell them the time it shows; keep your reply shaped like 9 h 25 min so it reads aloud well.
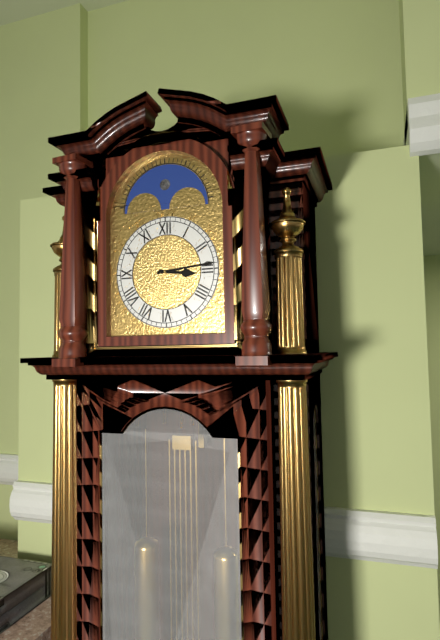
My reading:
3 h 14 min
